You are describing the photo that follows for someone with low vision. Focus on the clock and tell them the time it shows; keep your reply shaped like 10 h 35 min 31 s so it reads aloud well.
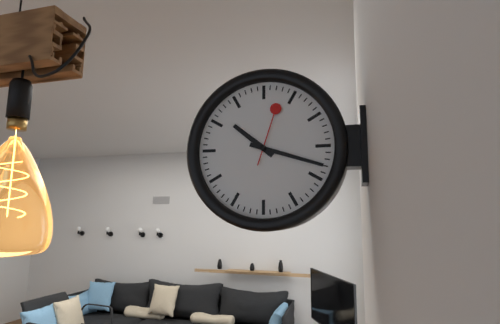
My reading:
10 h 18 min 03 s
